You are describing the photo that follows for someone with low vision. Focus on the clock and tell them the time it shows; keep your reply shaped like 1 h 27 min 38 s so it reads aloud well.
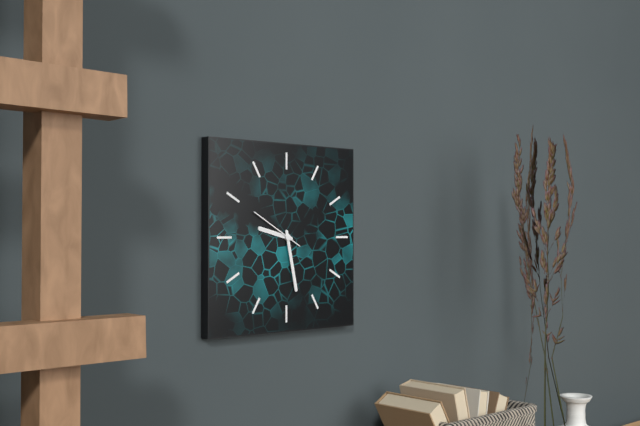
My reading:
9 h 28 min 50 s
